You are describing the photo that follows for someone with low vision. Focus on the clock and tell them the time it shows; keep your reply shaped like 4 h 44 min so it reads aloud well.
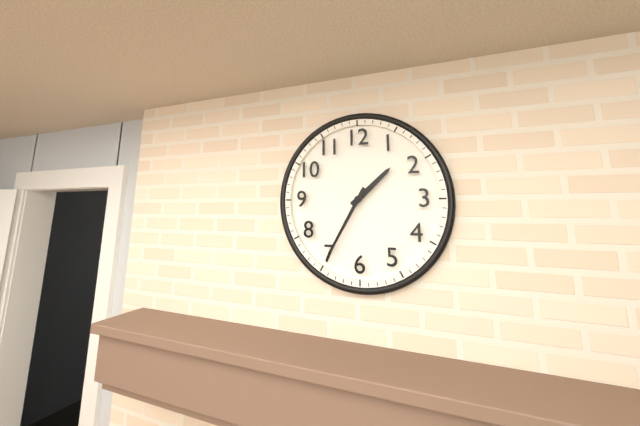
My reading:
1 h 35 min
